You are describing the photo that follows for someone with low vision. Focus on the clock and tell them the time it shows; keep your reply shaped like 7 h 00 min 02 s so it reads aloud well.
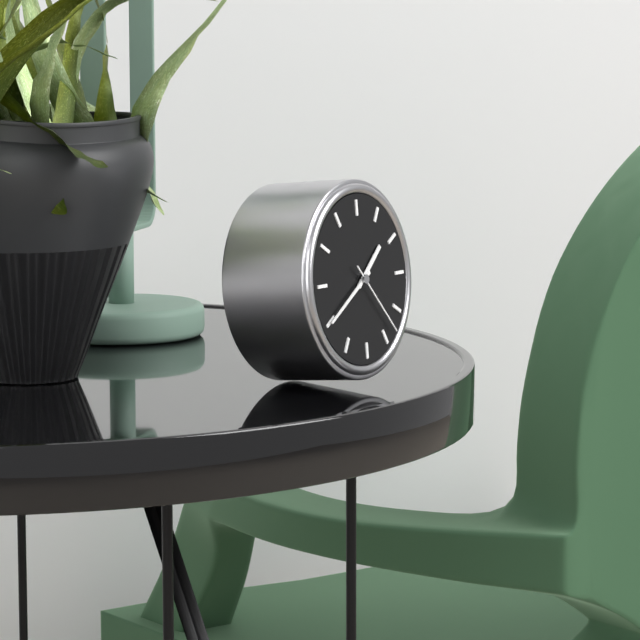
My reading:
1 h 40 min 23 s
